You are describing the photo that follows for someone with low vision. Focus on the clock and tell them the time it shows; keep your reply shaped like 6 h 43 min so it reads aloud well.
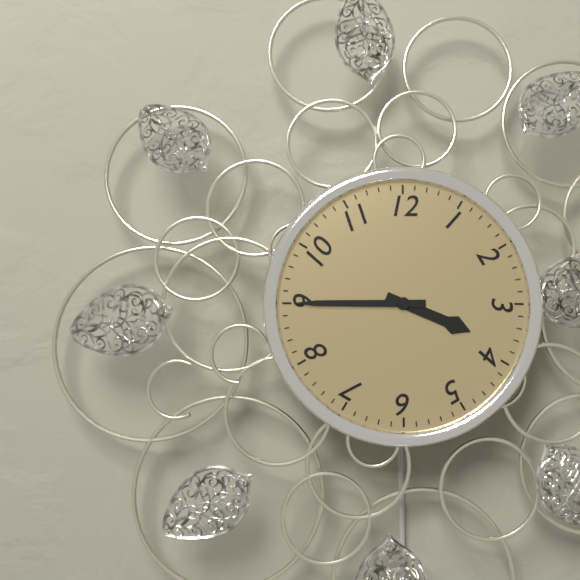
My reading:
3 h 45 min
